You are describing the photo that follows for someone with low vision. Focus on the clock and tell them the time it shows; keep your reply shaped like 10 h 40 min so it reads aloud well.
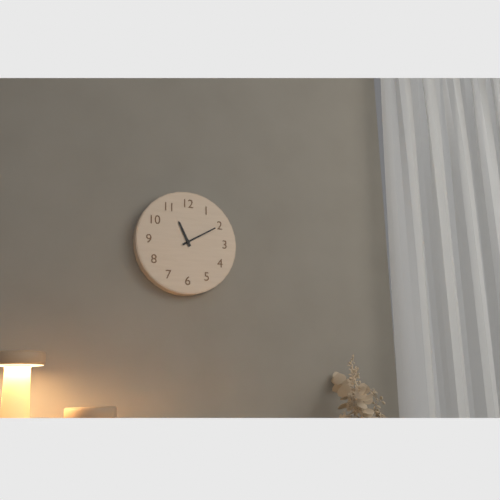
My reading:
11 h 10 min
